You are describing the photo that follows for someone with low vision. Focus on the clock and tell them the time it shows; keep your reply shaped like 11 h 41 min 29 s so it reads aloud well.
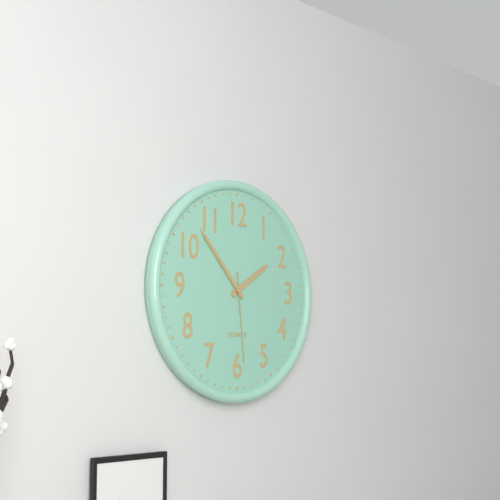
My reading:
1 h 53 min 29 s
